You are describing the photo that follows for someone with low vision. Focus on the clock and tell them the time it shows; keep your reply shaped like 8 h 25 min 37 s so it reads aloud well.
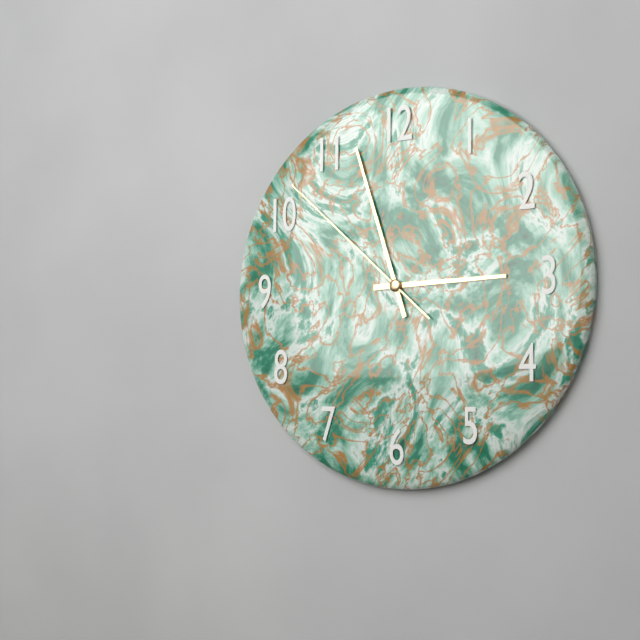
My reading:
2 h 57 min 52 s
